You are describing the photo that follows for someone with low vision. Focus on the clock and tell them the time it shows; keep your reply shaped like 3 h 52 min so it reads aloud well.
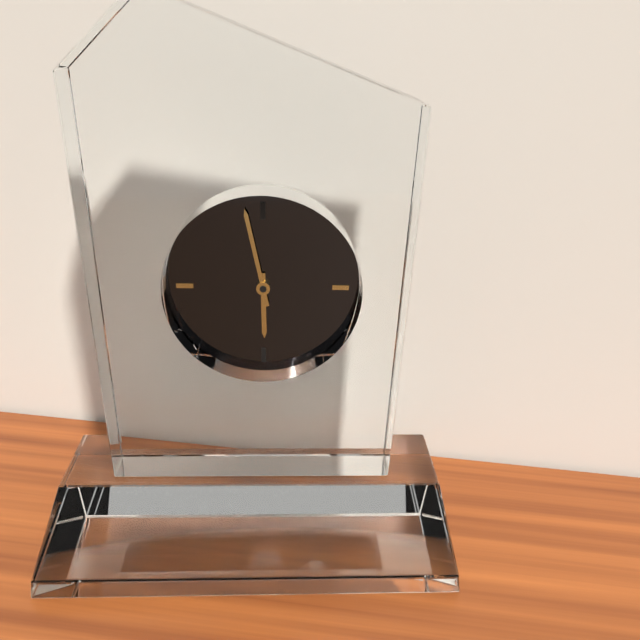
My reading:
5 h 58 min
